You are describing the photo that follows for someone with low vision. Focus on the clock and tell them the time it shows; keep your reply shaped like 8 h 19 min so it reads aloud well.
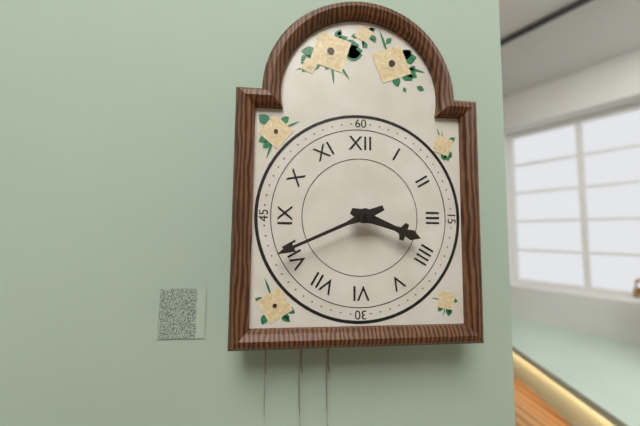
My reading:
3 h 41 min
